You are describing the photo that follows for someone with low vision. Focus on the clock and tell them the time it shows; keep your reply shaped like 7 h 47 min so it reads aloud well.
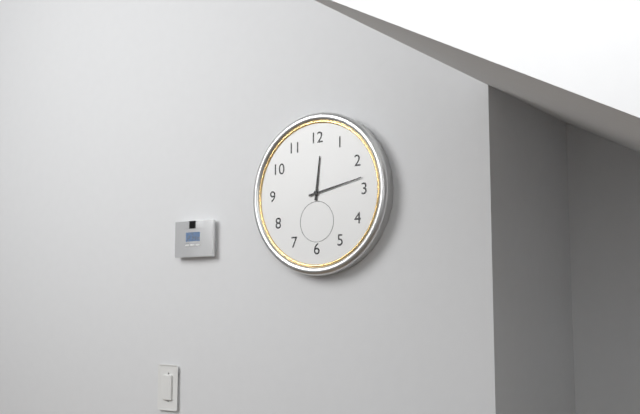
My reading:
12 h 13 min
